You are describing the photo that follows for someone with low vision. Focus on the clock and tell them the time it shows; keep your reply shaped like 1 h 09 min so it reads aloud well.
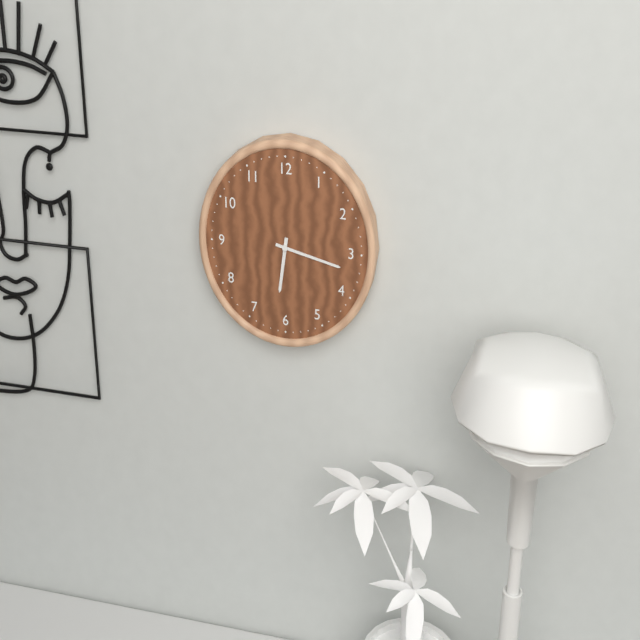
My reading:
6 h 17 min
